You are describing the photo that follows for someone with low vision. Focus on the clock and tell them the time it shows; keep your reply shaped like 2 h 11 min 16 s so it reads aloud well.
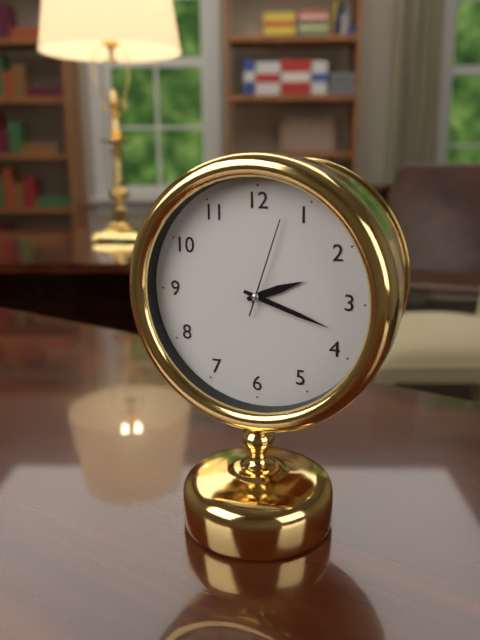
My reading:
2 h 18 min 03 s
